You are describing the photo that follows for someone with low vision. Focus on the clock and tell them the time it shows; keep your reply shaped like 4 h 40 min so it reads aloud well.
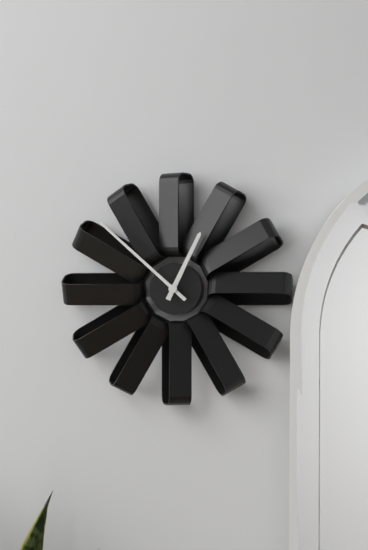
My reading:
12 h 52 min
